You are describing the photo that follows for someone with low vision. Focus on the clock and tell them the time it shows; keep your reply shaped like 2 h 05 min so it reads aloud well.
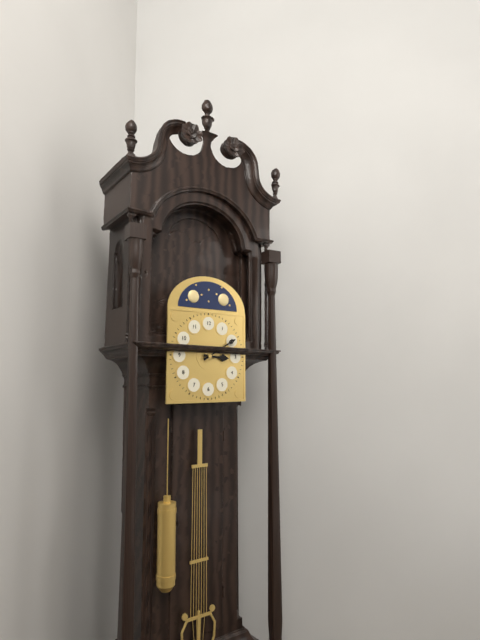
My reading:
3 h 10 min
